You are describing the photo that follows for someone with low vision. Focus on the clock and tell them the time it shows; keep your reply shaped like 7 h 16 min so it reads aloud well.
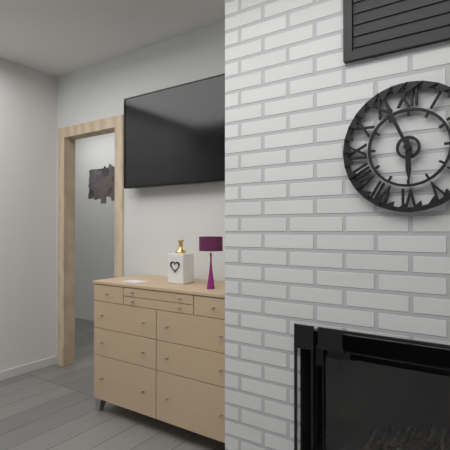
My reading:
5 h 56 min
